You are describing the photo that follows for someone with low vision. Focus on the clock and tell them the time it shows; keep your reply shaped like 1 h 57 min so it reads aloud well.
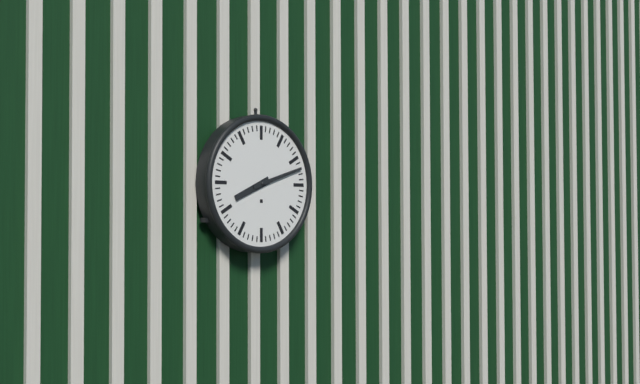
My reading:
8 h 12 min
